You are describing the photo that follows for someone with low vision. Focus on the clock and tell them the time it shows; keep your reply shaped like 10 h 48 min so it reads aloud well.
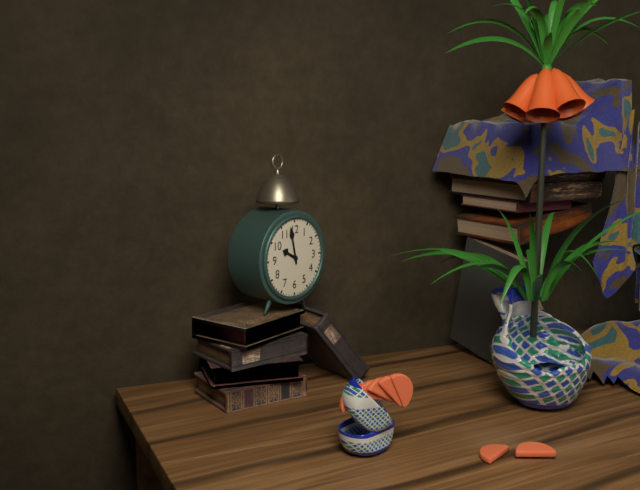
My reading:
9 h 58 min
